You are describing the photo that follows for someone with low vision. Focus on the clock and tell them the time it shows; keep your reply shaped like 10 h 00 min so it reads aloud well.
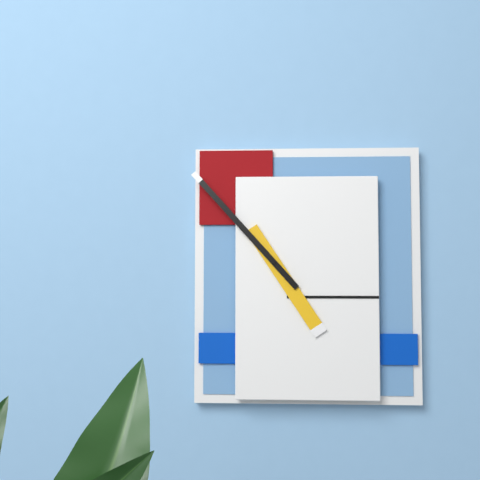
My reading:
4 h 53 min
